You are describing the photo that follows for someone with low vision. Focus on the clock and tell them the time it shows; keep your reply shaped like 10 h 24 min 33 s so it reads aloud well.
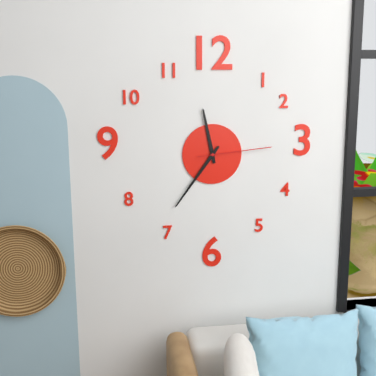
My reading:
11 h 36 min 14 s
